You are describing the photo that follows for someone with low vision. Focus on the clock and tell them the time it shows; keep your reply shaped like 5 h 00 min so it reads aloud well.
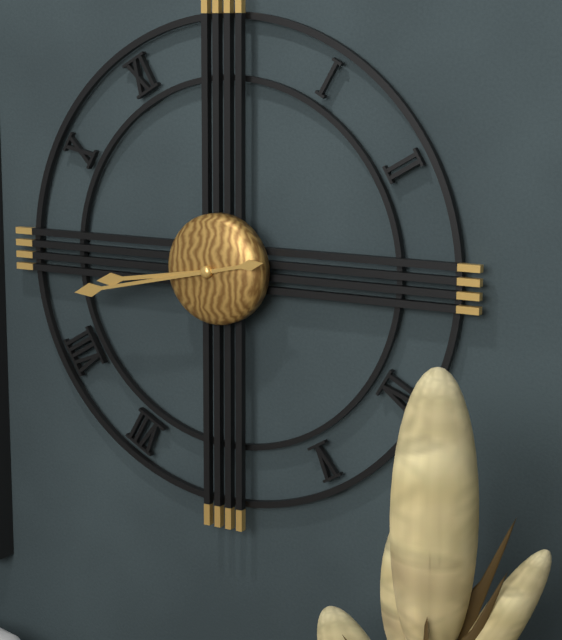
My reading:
8 h 43 min
